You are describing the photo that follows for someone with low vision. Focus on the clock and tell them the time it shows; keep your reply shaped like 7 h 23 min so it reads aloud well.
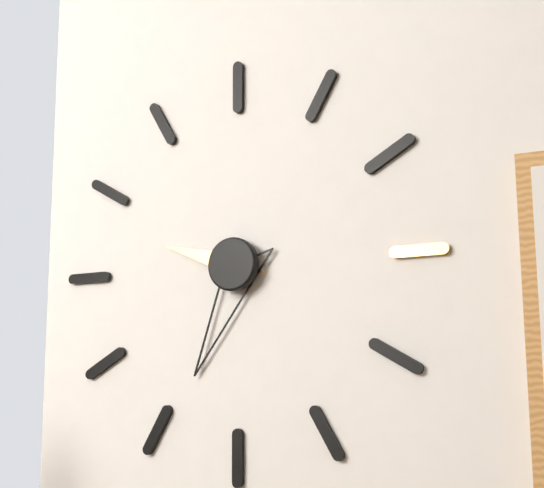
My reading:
9 h 34 min
